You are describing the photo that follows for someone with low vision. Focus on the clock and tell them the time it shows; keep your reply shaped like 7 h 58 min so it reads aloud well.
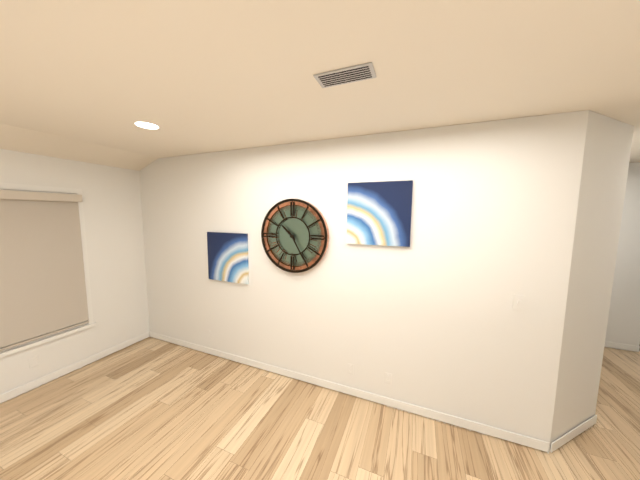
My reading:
10 h 25 min
